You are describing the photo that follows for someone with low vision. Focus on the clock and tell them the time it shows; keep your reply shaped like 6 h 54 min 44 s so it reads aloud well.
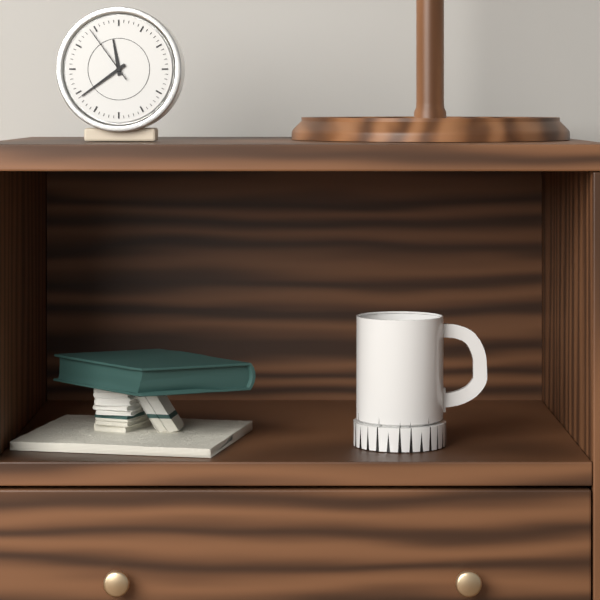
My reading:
11 h 39 min 54 s
